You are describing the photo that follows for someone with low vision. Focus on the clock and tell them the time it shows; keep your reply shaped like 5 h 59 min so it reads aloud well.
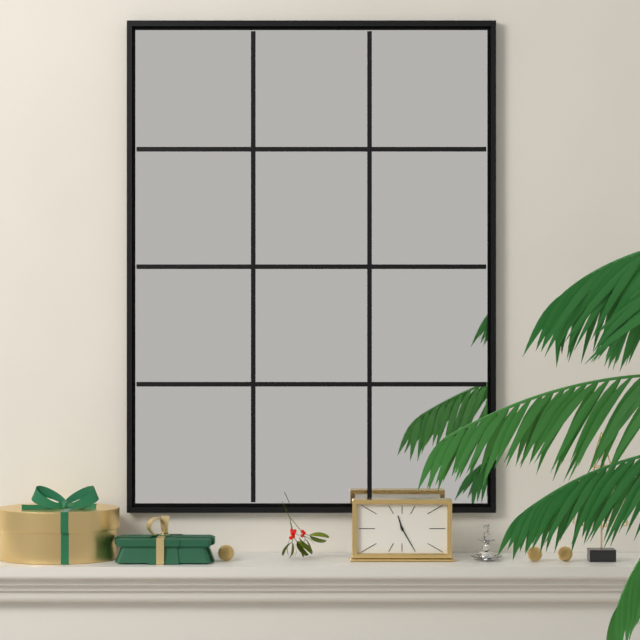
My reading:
11 h 25 min
